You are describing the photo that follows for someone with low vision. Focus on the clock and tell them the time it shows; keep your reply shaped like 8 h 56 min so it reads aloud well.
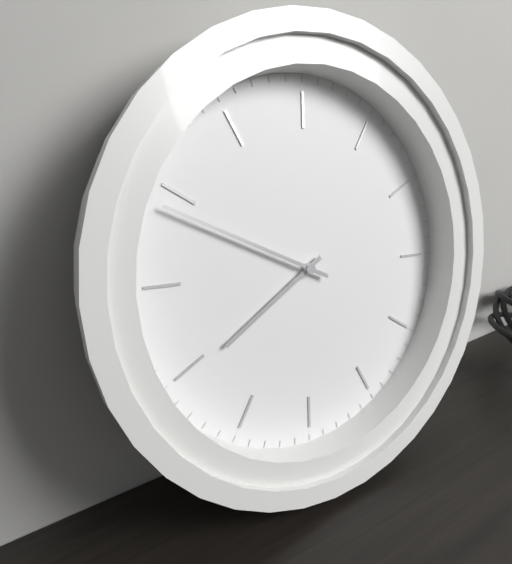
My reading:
8 h 54 min
